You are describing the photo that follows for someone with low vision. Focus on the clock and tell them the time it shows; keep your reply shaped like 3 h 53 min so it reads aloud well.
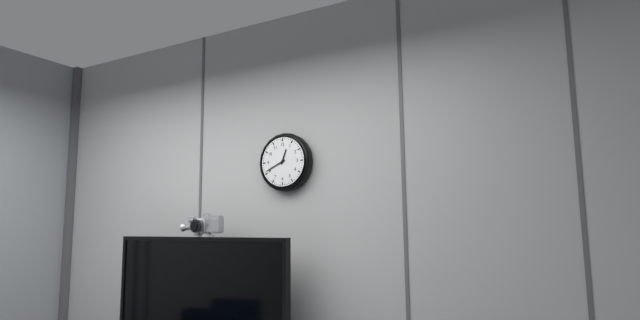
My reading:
12 h 41 min
